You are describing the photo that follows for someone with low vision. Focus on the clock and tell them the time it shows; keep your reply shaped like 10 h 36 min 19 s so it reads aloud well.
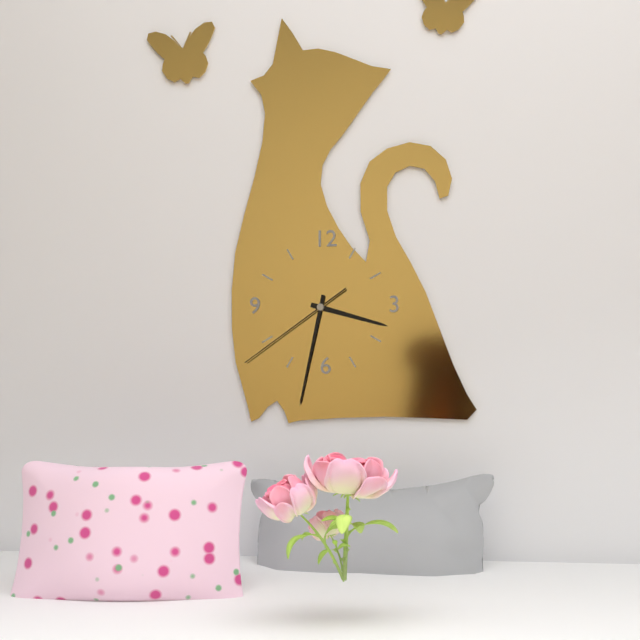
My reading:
3 h 32 min 39 s
